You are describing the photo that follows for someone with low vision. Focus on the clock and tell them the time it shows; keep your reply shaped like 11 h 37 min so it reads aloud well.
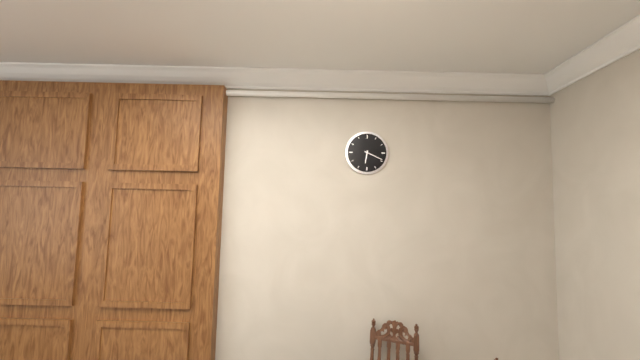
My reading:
6 h 19 min
